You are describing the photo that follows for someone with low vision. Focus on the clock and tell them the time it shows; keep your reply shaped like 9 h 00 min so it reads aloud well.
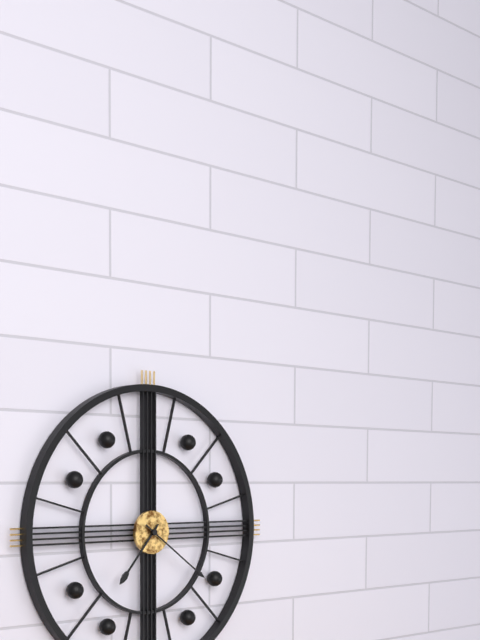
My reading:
7 h 21 min
